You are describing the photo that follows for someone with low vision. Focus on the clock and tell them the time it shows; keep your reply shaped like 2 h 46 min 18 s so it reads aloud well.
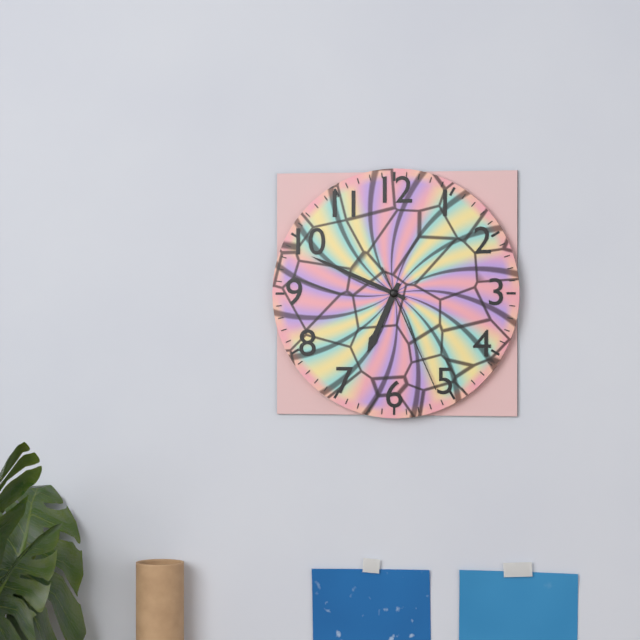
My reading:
6 h 49 min 26 s
